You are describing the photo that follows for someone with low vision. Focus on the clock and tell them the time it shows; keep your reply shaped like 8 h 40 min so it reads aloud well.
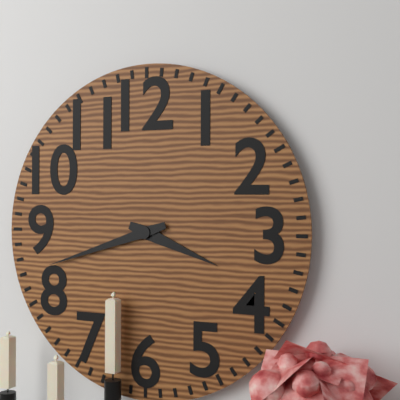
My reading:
3 h 42 min
